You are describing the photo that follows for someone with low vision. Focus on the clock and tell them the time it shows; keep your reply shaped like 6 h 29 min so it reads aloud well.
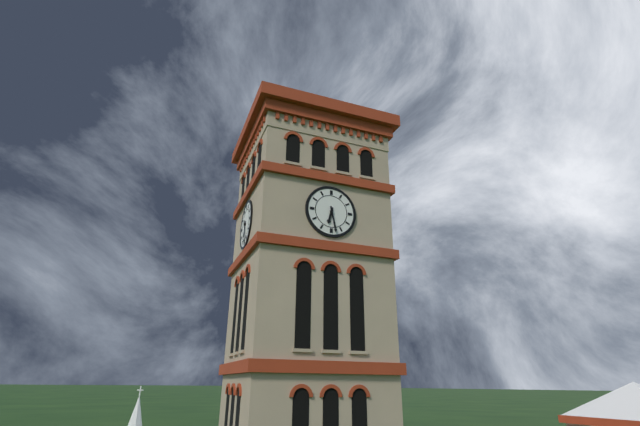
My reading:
6 h 28 min
